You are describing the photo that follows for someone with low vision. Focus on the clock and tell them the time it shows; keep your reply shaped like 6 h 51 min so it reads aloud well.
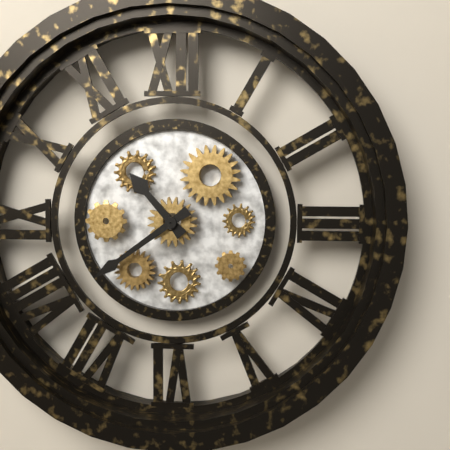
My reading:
10 h 39 min
